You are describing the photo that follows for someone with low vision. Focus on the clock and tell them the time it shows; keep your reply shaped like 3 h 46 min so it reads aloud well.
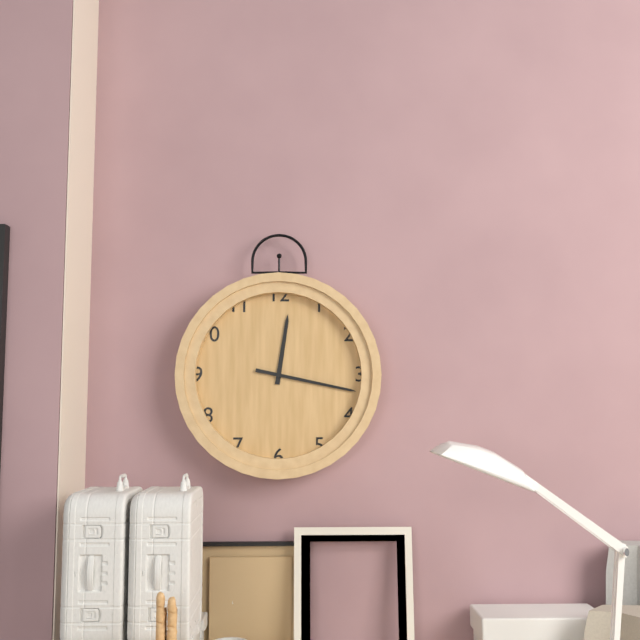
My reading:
12 h 17 min
